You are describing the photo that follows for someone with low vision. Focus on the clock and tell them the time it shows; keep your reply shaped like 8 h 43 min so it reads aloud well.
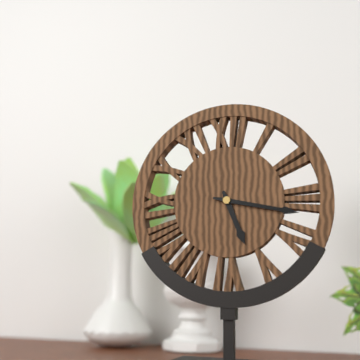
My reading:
5 h 17 min
